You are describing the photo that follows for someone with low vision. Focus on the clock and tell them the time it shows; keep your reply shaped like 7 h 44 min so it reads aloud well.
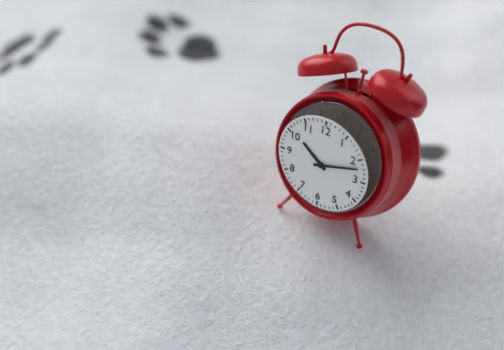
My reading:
10 h 12 min
